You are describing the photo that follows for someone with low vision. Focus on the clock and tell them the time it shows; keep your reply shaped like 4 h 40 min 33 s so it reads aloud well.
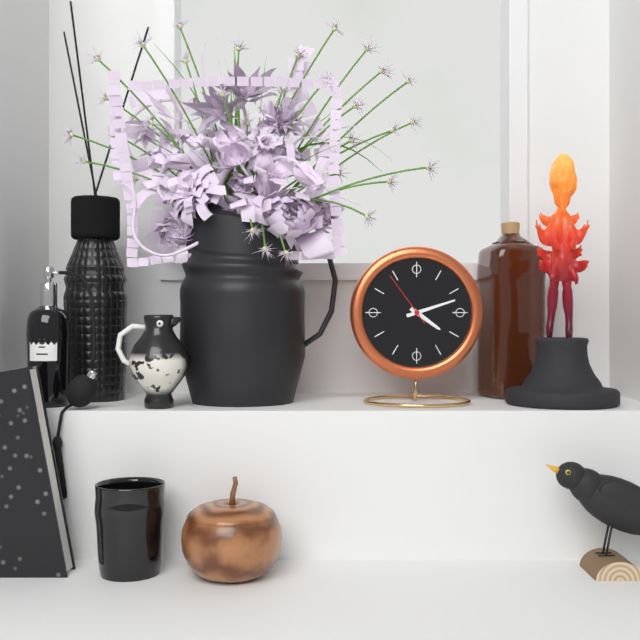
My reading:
4 h 12 min 54 s
